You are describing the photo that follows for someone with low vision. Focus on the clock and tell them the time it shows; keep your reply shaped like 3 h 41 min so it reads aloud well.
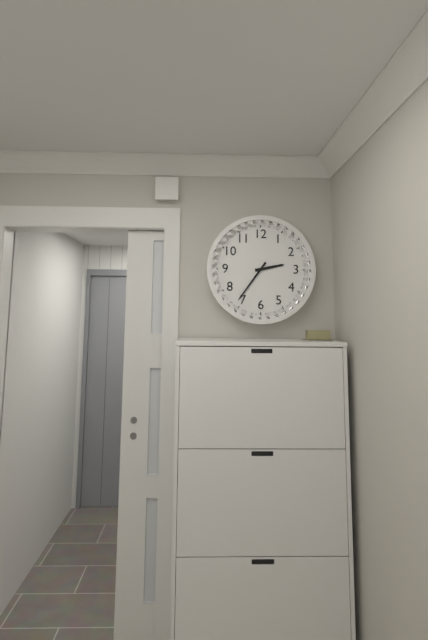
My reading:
2 h 36 min
